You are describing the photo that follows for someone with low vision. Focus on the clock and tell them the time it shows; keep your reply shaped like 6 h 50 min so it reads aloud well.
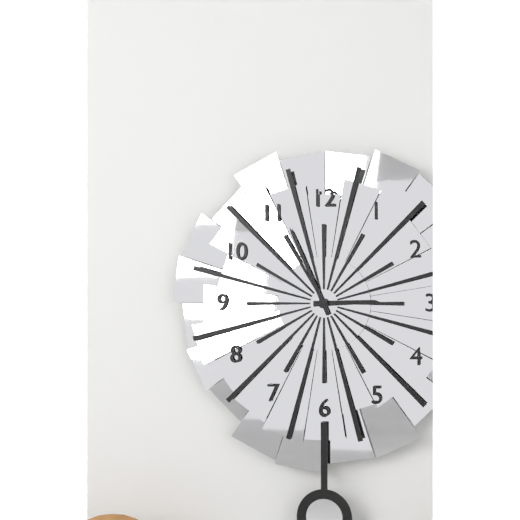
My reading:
2 h 56 min
